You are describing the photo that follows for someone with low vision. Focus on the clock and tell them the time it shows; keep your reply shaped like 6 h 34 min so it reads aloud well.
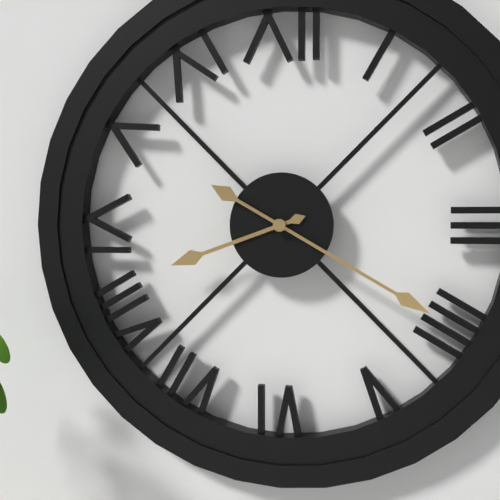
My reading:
8 h 20 min
